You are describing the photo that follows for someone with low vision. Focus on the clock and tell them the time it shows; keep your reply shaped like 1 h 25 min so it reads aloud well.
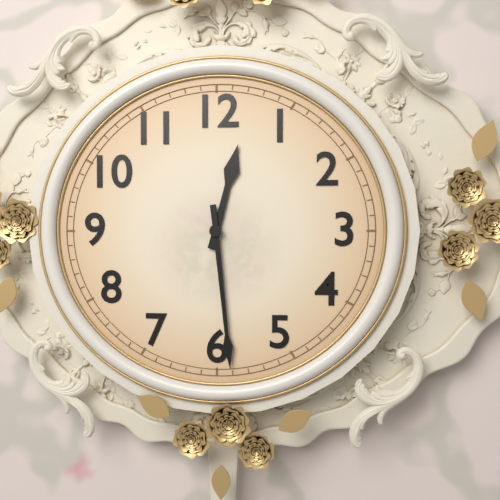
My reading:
12 h 29 min
